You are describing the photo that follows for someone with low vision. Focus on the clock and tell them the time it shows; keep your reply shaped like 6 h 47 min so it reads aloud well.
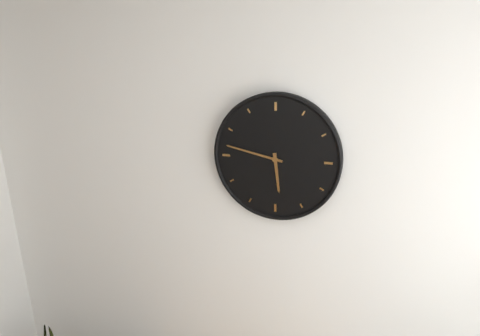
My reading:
5 h 47 min
